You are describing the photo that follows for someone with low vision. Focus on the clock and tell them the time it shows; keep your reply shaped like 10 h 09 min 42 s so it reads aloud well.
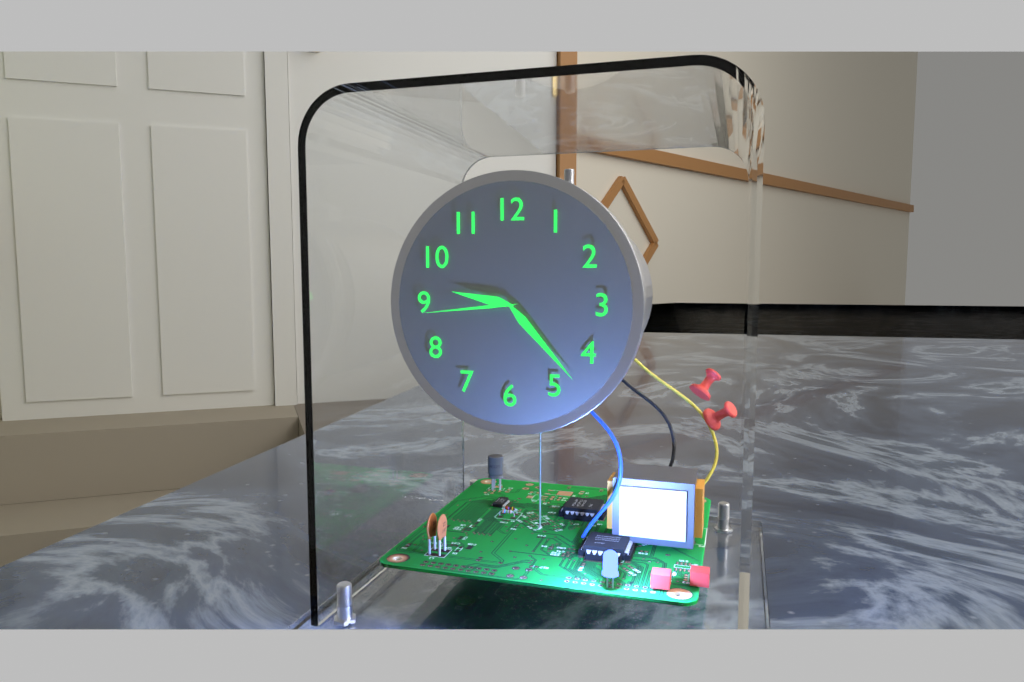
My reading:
9 h 23 min 44 s
